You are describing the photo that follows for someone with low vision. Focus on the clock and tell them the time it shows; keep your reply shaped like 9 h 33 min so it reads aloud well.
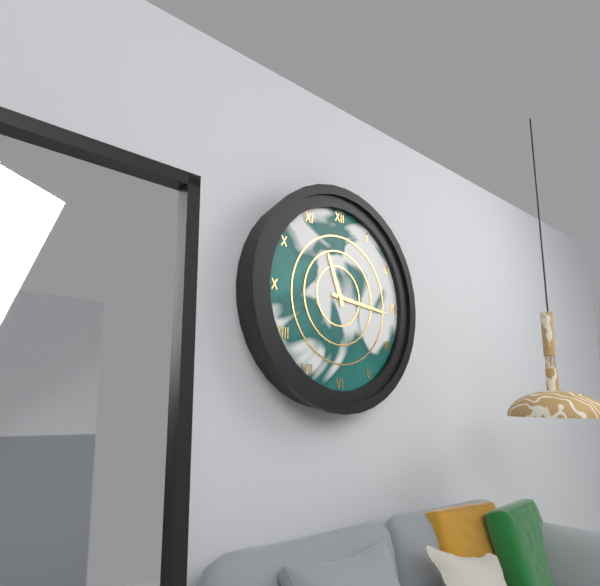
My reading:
11 h 16 min
